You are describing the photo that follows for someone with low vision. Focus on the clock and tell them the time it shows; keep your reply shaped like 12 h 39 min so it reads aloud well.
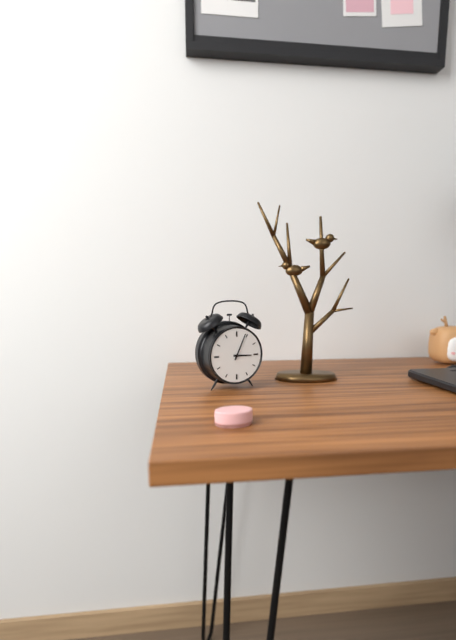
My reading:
3 h 04 min
